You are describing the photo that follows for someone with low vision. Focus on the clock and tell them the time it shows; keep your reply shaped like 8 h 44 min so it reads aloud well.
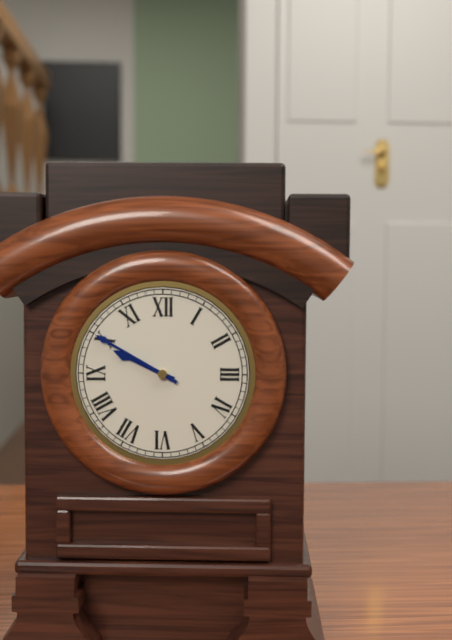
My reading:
9 h 50 min
